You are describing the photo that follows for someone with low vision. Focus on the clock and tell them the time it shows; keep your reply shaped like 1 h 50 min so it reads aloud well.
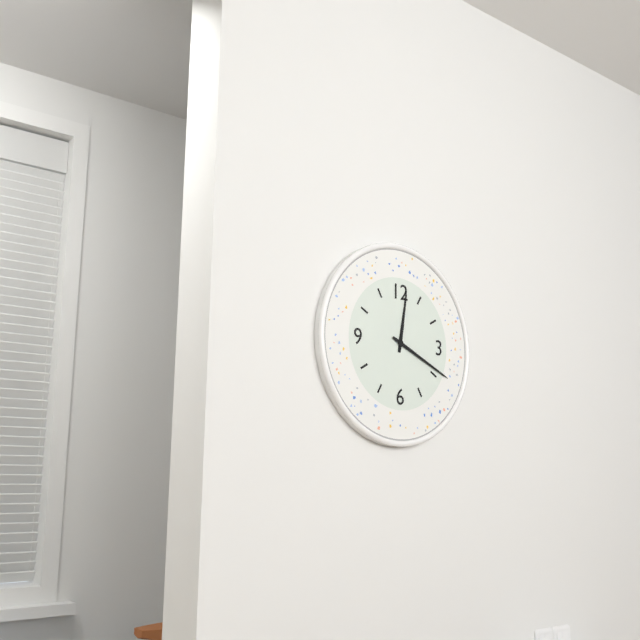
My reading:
12 h 19 min
